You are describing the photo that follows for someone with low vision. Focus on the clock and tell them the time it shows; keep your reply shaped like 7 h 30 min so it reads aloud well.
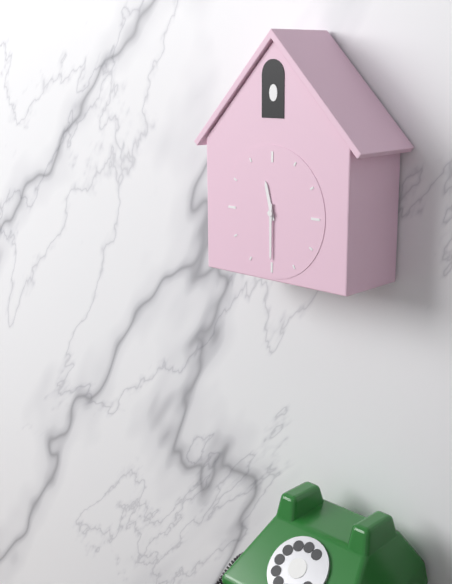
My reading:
11 h 30 min
